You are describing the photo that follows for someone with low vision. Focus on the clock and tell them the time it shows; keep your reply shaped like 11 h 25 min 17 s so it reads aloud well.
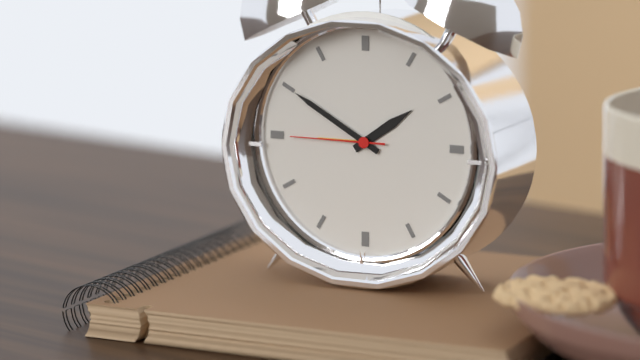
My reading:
1 h 50 min 45 s
